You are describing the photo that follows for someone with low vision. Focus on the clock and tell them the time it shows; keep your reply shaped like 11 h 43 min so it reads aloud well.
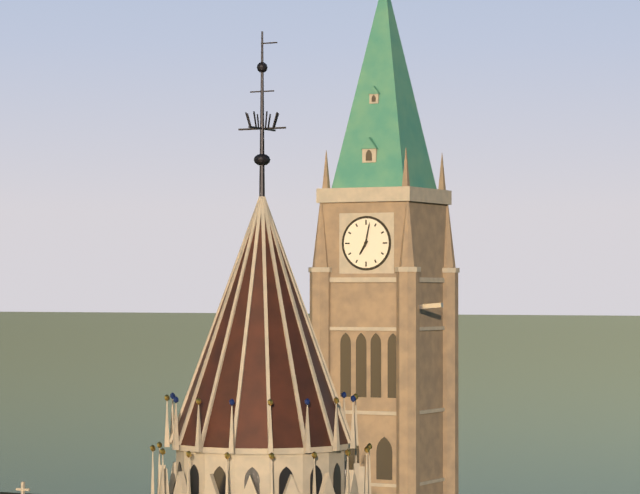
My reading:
7 h 02 min
